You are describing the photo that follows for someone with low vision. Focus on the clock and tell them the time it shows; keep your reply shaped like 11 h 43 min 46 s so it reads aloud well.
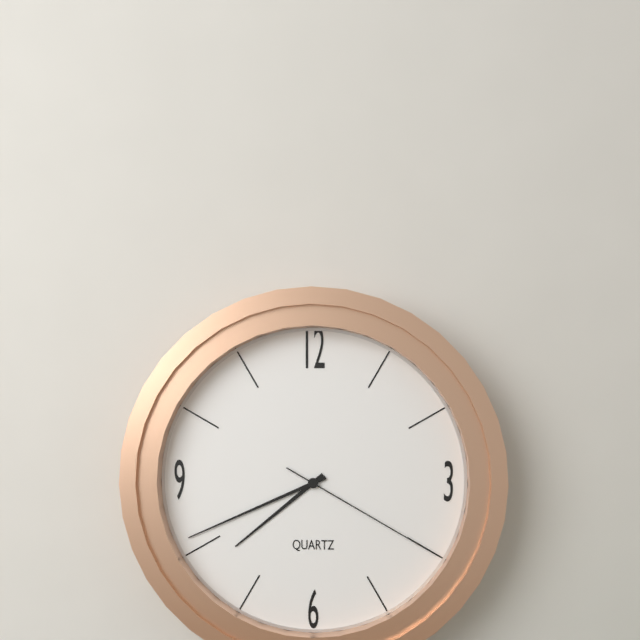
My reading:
7 h 41 min 20 s
